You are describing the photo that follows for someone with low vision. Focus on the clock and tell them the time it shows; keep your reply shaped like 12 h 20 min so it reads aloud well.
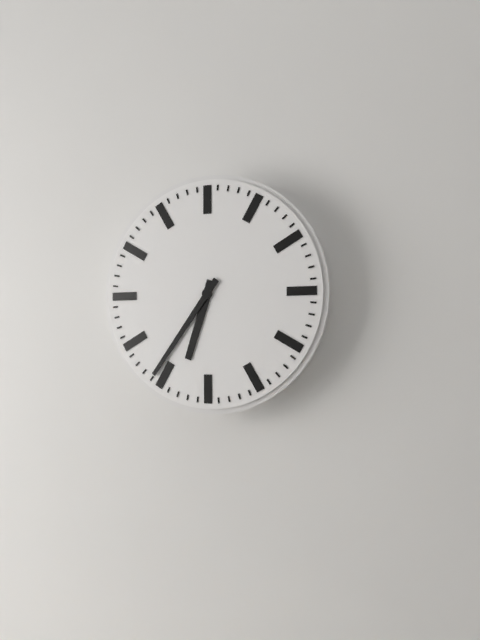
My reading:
6 h 36 min
